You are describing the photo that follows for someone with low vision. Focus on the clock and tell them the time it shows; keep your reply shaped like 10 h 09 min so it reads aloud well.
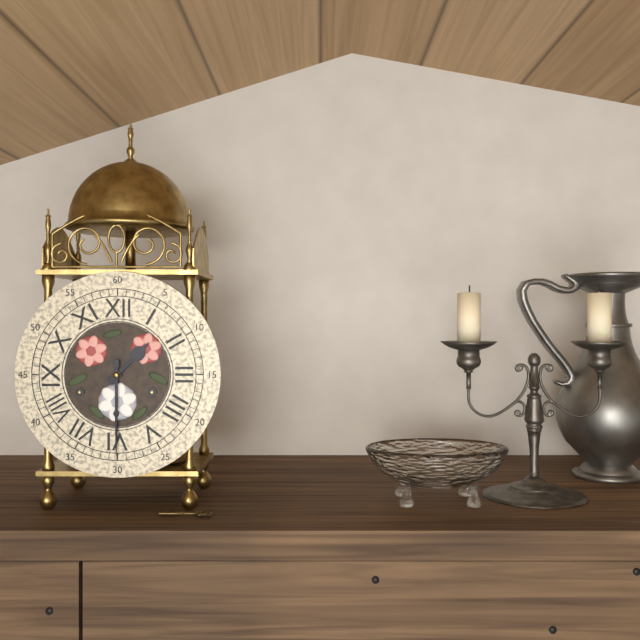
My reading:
1 h 30 min
